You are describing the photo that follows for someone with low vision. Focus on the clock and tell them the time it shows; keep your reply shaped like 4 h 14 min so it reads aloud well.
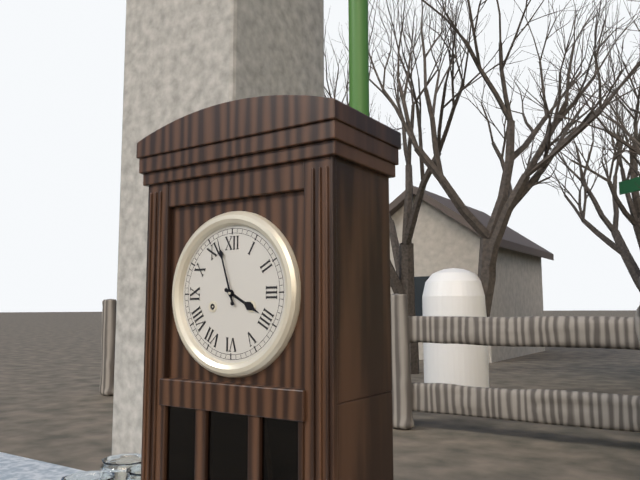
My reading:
3 h 57 min
